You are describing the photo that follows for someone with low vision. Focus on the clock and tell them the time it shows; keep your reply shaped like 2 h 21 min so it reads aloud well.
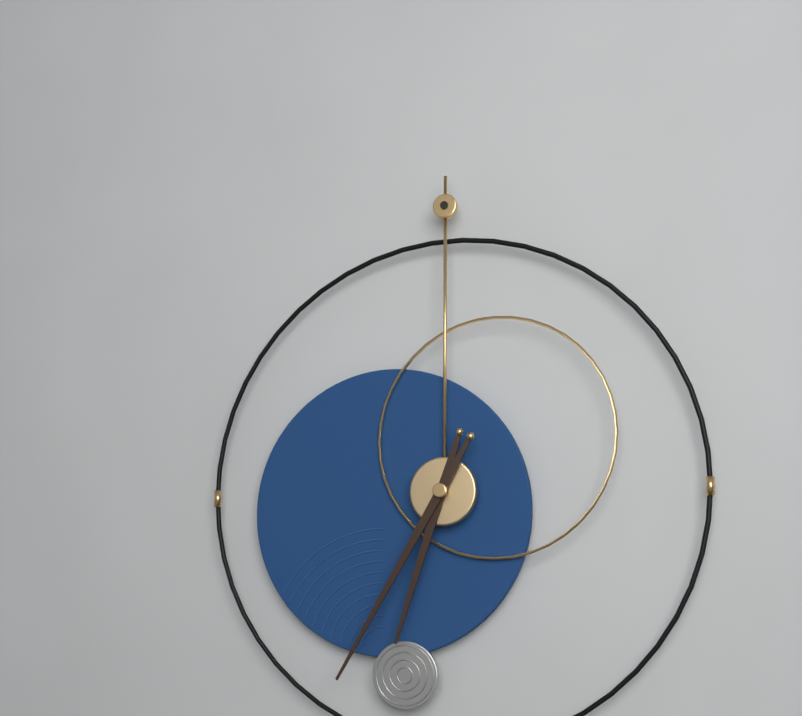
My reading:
6 h 35 min
